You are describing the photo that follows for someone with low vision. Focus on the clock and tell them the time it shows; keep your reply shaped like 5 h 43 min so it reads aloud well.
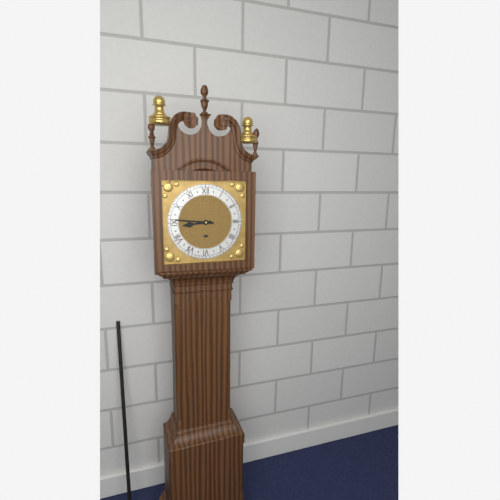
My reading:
8 h 46 min
